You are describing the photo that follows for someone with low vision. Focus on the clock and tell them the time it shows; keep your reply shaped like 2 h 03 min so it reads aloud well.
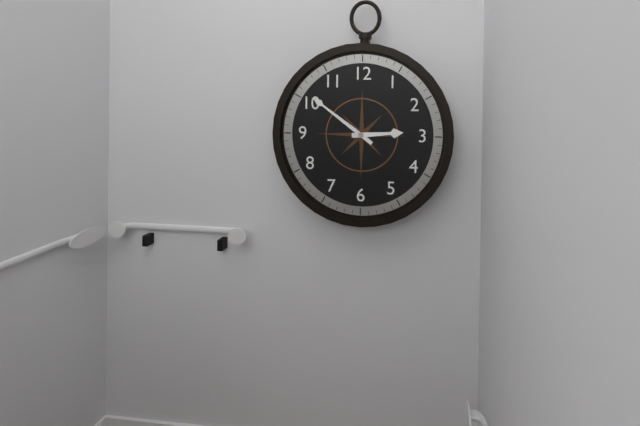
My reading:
2 h 51 min
